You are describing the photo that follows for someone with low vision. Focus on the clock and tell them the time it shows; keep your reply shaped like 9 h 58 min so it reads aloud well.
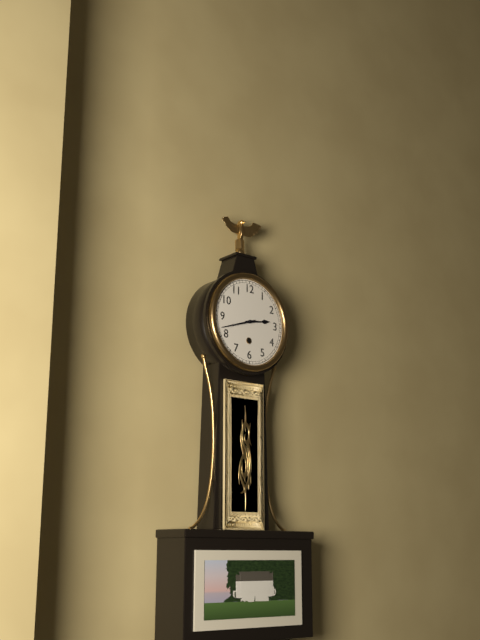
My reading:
2 h 42 min
